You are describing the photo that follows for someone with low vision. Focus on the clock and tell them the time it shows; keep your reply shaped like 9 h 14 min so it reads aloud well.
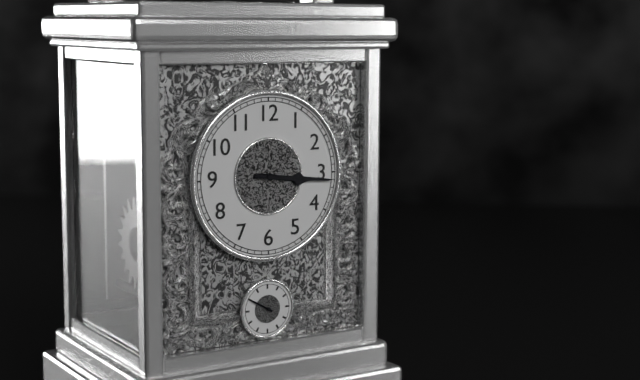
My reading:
3 h 16 min
